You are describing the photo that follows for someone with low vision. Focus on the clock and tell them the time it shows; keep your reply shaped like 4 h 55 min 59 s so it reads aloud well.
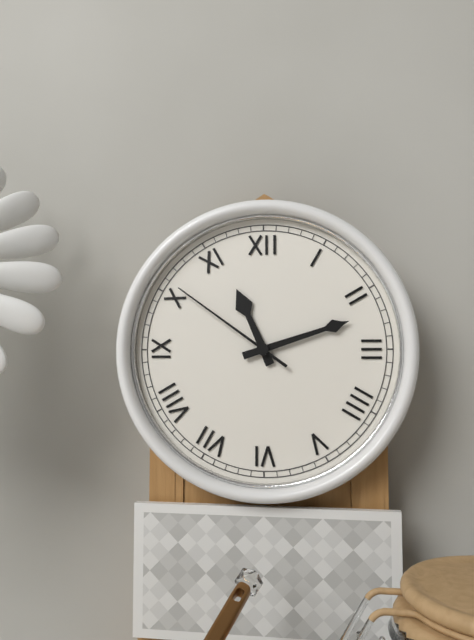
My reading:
11 h 12 min 51 s
